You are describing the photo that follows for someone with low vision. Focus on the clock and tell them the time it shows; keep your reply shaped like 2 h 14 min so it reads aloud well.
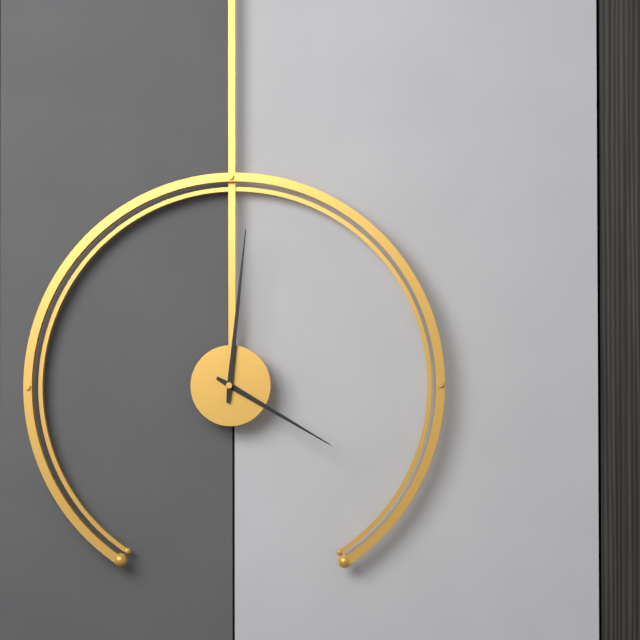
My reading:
4 h 01 min
